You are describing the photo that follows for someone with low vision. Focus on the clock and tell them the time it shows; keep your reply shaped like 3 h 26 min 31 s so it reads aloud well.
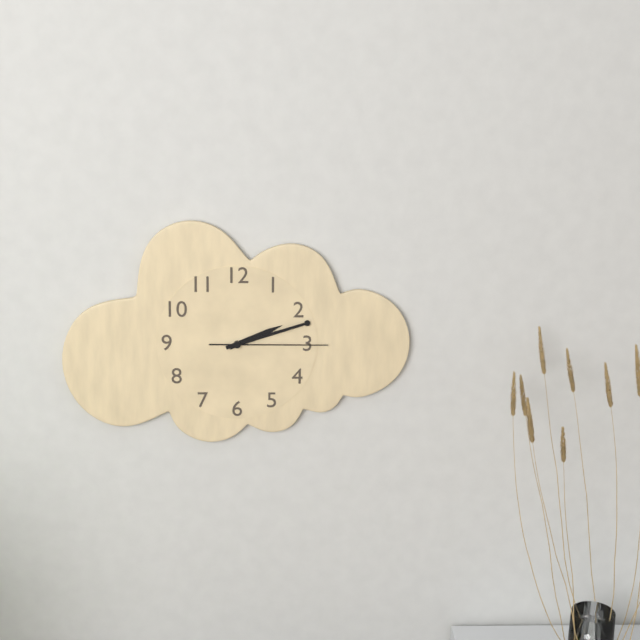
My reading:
2 h 12 min 15 s
